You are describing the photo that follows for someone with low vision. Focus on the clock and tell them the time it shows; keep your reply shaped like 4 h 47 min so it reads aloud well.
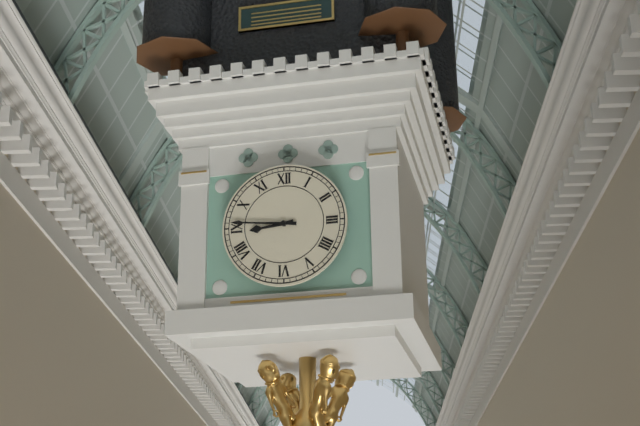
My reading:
8 h 46 min
